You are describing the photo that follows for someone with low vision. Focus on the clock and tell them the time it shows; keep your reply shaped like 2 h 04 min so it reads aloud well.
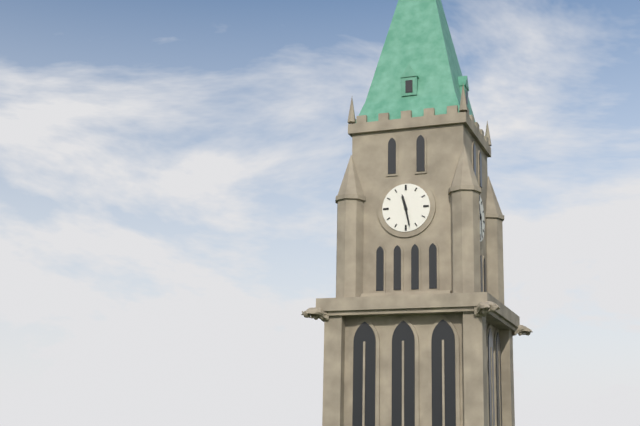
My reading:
11 h 28 min
